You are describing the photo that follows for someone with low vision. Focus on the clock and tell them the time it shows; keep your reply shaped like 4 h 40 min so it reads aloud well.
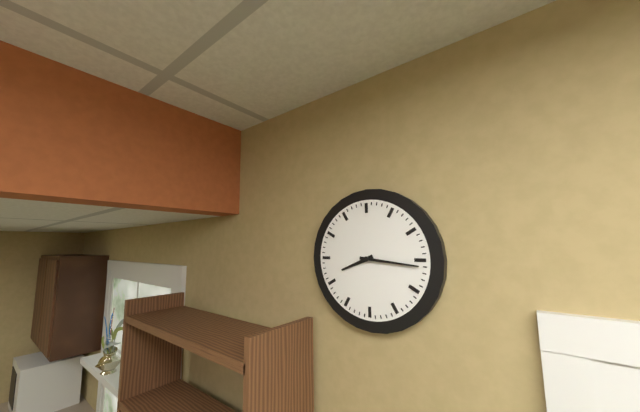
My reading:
8 h 16 min
